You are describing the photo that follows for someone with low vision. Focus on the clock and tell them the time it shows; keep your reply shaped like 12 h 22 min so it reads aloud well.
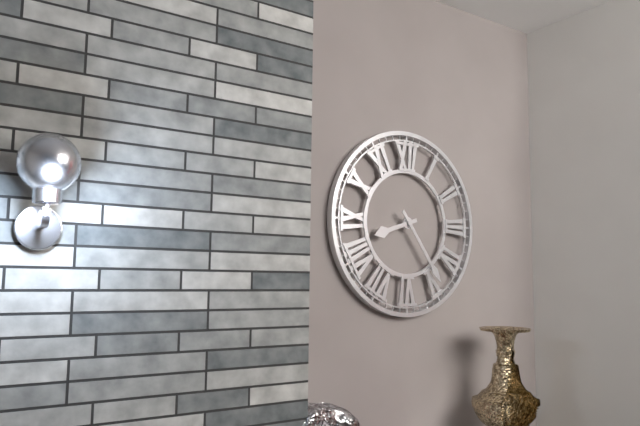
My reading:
8 h 24 min
